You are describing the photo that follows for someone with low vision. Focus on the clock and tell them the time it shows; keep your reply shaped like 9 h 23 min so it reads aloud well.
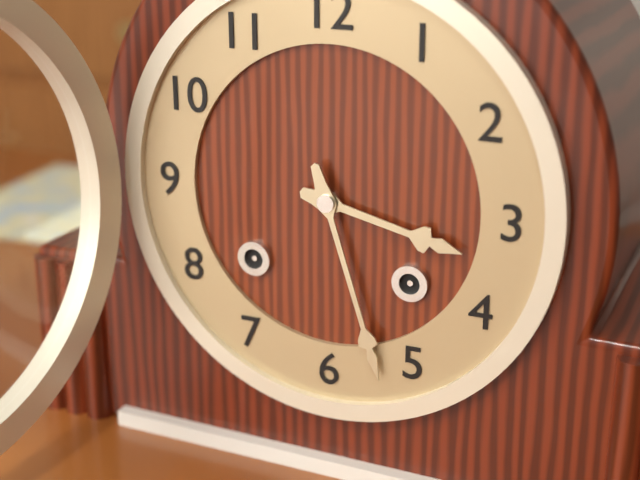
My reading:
3 h 27 min
